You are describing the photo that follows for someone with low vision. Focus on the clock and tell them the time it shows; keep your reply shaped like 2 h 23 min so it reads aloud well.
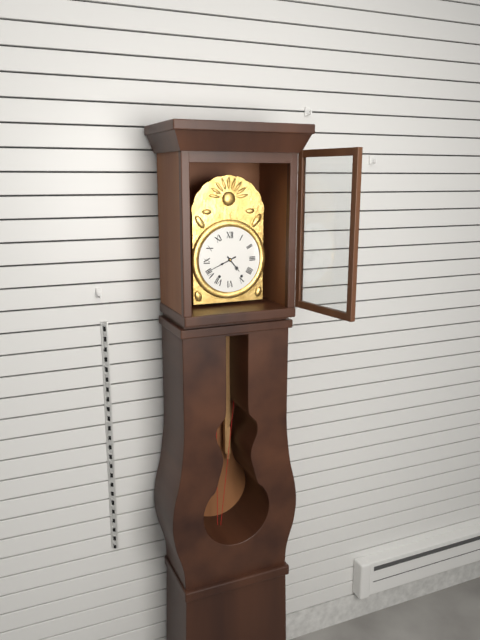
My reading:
4 h 41 min
